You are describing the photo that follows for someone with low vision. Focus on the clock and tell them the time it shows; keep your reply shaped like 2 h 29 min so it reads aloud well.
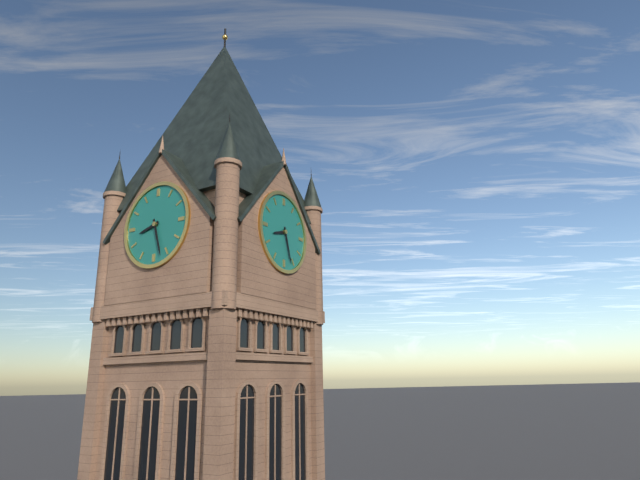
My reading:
8 h 27 min
